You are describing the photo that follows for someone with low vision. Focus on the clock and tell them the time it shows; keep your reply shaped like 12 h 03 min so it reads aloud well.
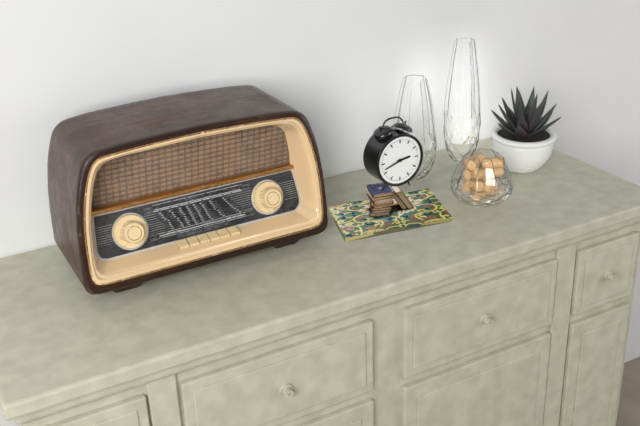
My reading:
2 h 42 min
